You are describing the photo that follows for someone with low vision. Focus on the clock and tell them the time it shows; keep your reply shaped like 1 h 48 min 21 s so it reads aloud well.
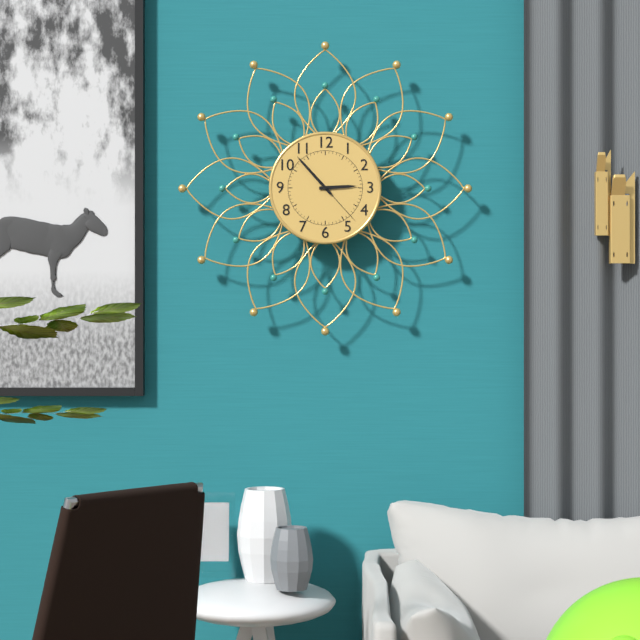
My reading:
2 h 53 min 23 s
